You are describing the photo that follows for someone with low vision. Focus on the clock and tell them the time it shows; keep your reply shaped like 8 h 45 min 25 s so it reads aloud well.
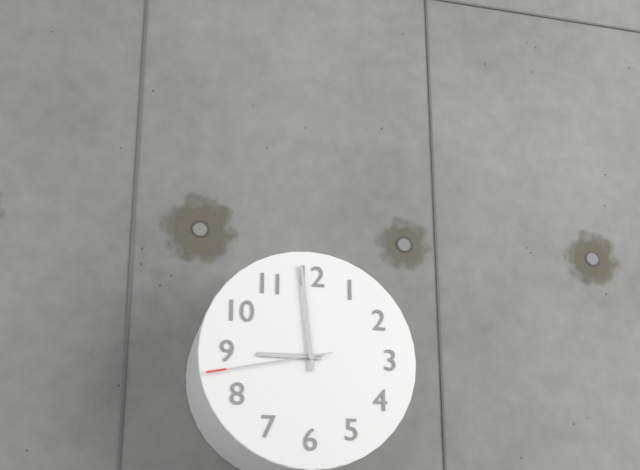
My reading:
8 h 59 min 43 s
